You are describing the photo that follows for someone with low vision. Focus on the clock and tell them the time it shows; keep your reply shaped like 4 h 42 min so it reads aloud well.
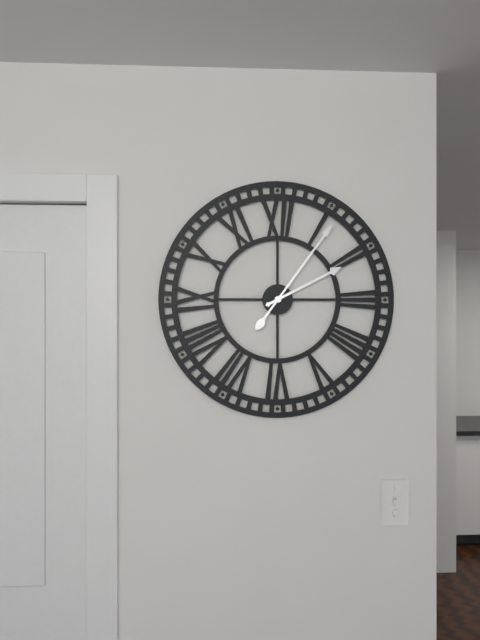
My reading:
2 h 06 min
